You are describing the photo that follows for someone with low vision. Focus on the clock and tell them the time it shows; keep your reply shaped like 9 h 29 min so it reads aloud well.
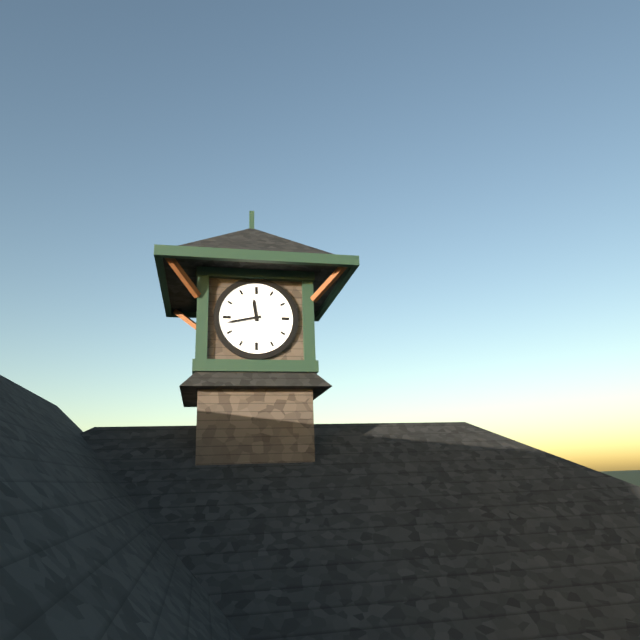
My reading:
11 h 43 min
